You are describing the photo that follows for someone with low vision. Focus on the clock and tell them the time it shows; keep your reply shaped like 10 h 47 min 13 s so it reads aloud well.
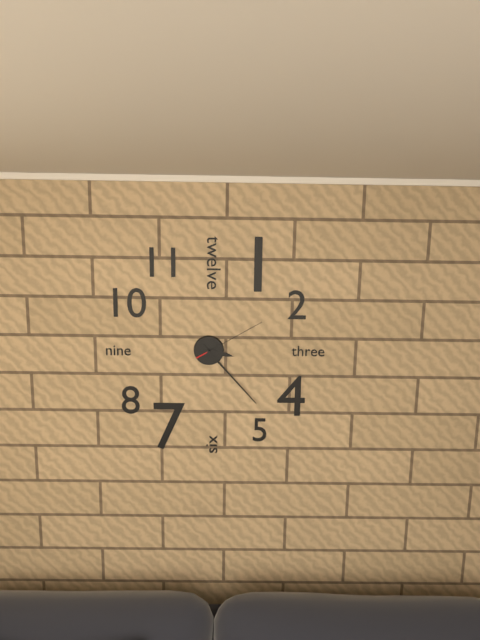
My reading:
3 h 23 min 10 s
